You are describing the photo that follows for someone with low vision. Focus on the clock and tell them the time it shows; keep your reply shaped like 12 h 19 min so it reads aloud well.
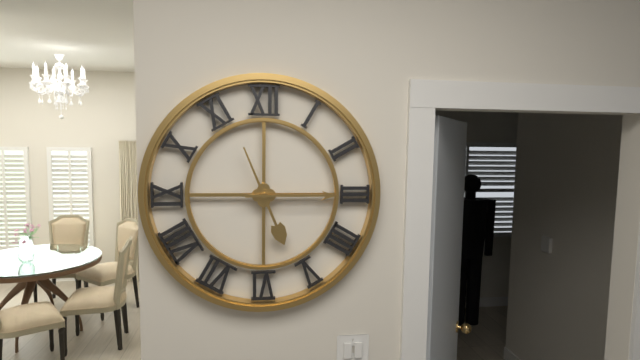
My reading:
5 h 15 min
